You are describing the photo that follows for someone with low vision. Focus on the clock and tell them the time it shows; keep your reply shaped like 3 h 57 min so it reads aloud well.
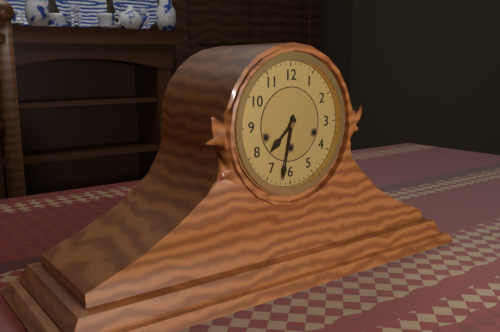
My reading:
7 h 32 min
